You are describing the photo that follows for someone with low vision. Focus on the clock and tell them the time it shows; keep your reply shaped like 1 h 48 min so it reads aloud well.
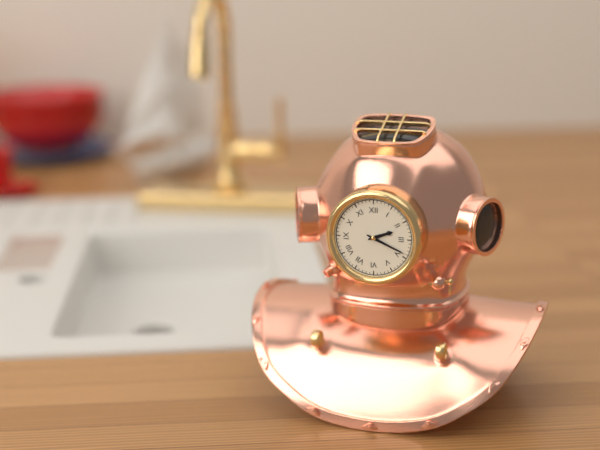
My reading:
2 h 19 min
